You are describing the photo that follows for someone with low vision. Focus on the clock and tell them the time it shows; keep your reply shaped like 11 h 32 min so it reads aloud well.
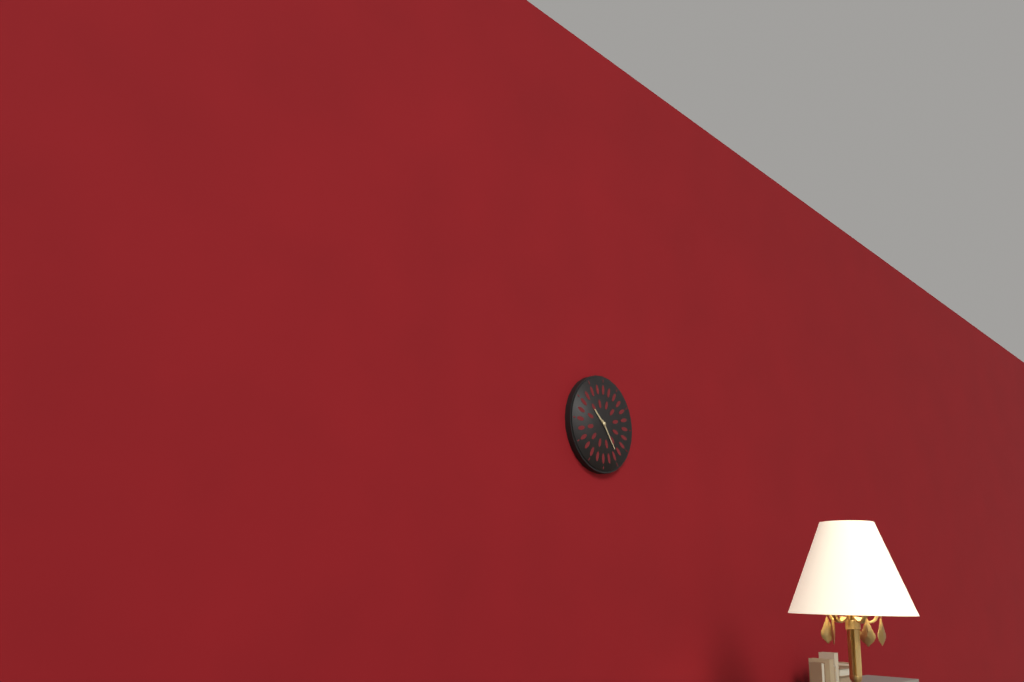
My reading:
10 h 24 min
